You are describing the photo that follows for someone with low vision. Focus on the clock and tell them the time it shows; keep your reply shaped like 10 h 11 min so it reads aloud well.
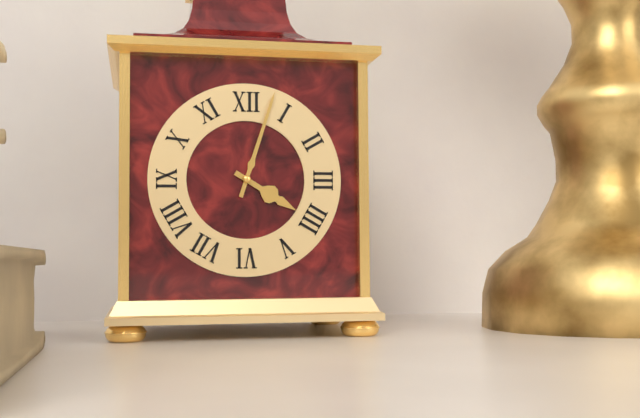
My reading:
4 h 03 min
